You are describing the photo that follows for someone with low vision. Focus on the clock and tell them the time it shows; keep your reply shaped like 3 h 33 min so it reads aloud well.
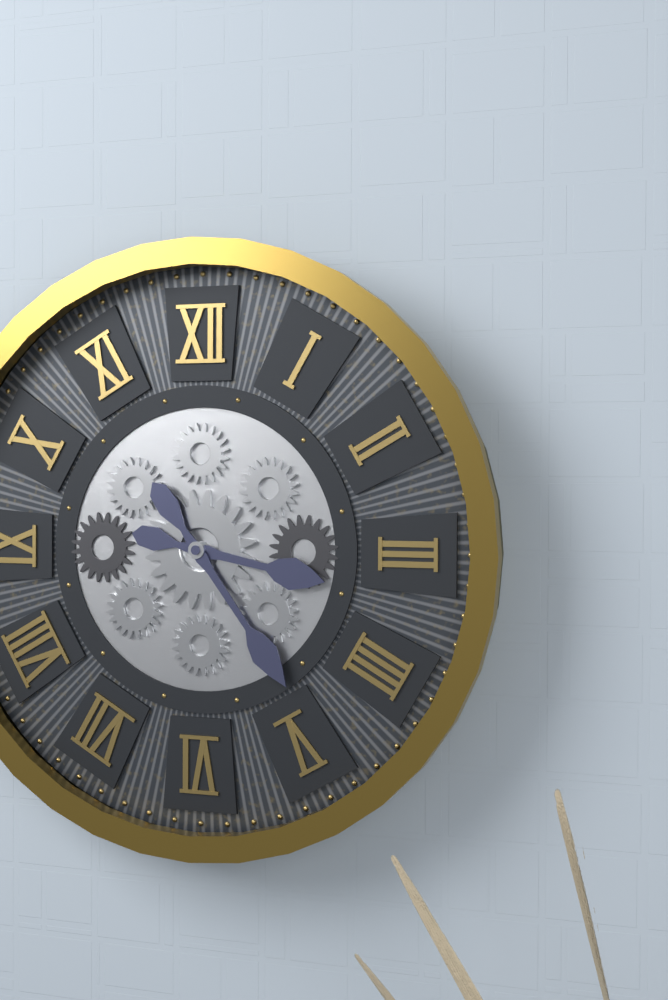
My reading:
3 h 24 min
